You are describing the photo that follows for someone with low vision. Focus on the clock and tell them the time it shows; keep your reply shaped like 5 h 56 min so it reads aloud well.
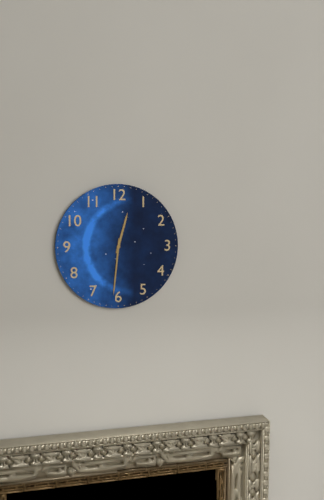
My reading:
12 h 31 min
